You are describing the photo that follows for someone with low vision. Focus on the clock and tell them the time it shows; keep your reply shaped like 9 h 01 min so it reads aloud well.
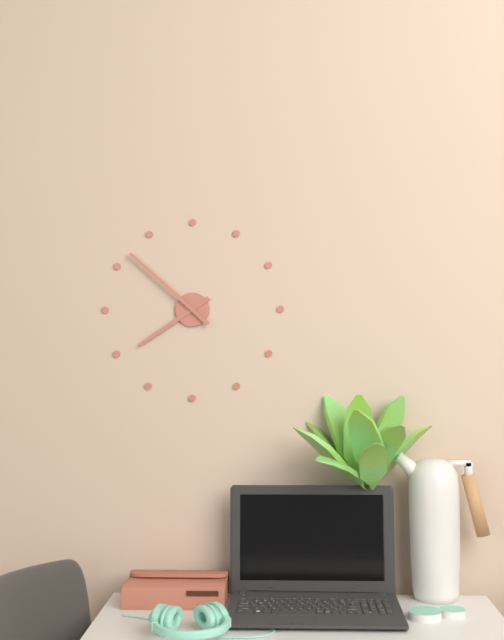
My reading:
7 h 52 min
